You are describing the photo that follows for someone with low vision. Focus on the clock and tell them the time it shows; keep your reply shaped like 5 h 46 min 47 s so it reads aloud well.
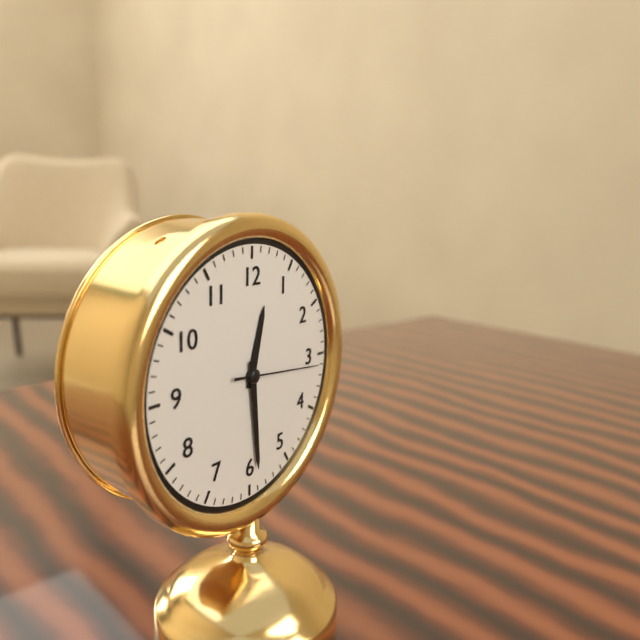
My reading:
12 h 29 min 16 s
